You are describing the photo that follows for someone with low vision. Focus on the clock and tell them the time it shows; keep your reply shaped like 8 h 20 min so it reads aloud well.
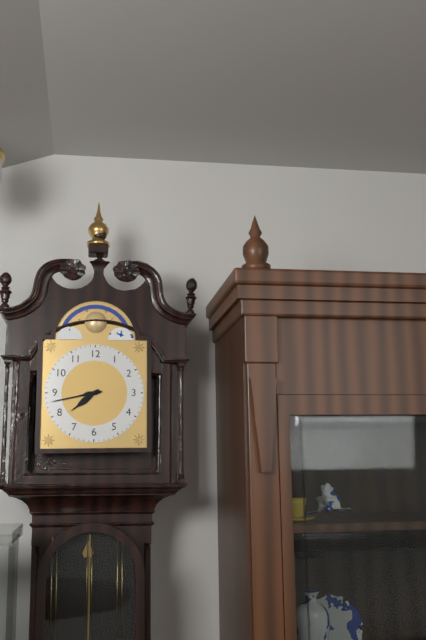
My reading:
7 h 43 min
